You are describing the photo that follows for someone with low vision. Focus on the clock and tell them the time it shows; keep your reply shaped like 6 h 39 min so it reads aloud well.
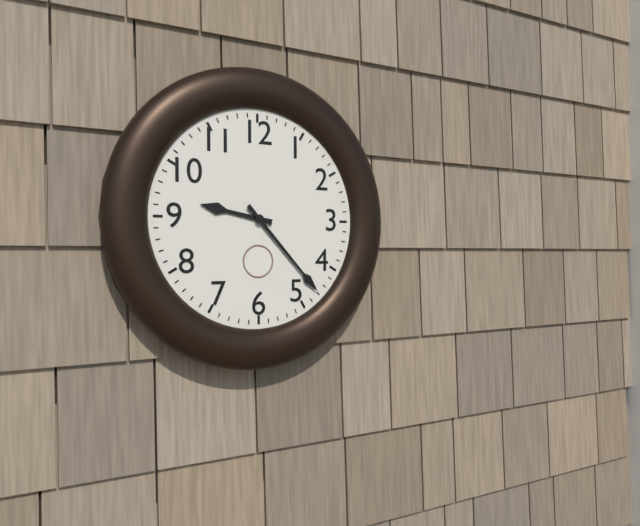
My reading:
9 h 23 min
